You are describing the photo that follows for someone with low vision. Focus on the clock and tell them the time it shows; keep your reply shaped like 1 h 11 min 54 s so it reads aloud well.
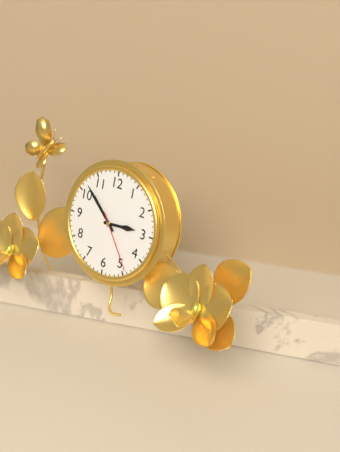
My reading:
2 h 52 min 24 s
